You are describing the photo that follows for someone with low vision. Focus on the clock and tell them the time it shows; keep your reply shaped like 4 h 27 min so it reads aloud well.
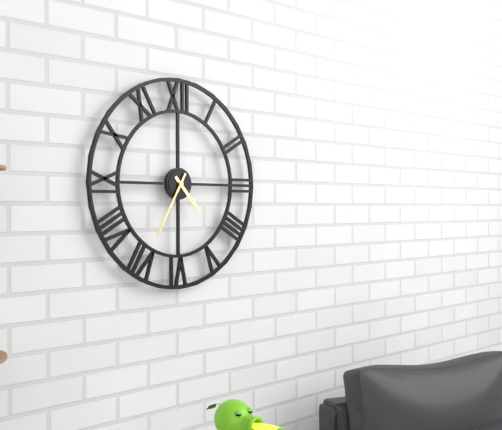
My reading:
4 h 35 min
